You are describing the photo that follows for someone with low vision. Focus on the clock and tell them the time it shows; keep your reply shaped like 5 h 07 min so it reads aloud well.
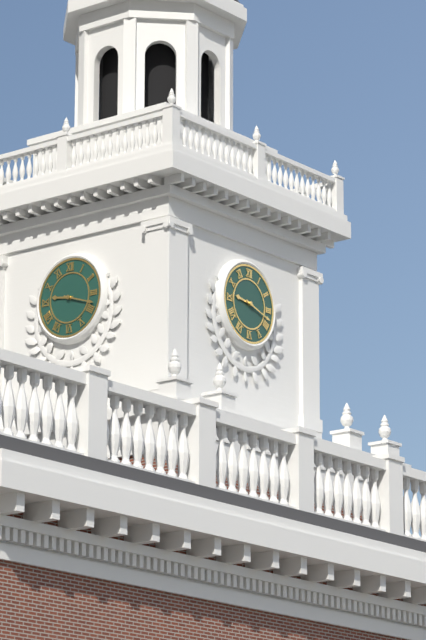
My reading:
9 h 18 min
